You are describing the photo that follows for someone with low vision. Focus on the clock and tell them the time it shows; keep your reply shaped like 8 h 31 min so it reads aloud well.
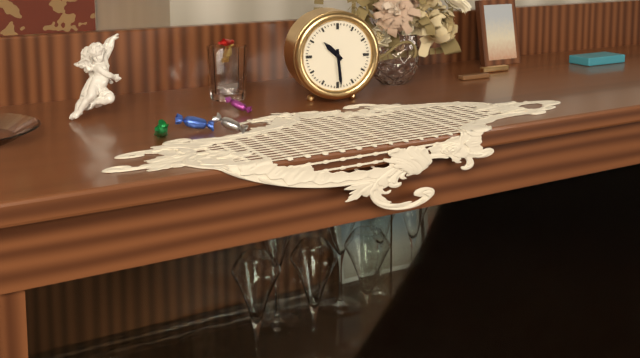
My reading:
10 h 29 min
